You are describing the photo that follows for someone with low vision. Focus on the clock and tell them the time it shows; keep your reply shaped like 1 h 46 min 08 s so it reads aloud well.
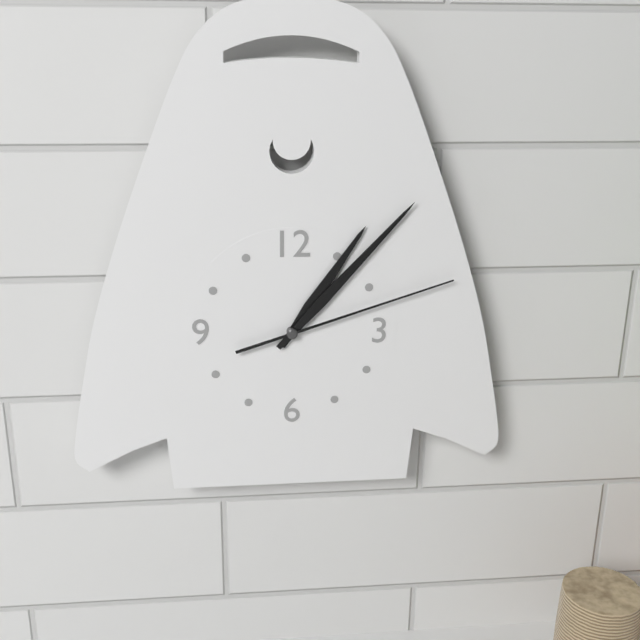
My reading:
1 h 07 min 12 s
